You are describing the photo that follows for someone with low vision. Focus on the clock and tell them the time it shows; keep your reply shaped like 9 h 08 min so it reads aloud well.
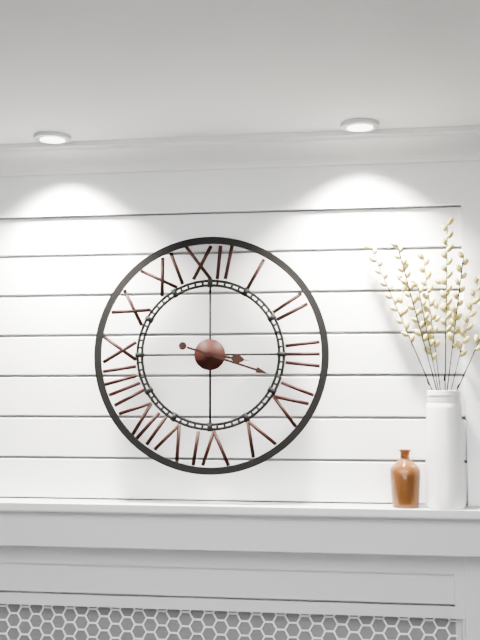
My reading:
3 h 18 min
